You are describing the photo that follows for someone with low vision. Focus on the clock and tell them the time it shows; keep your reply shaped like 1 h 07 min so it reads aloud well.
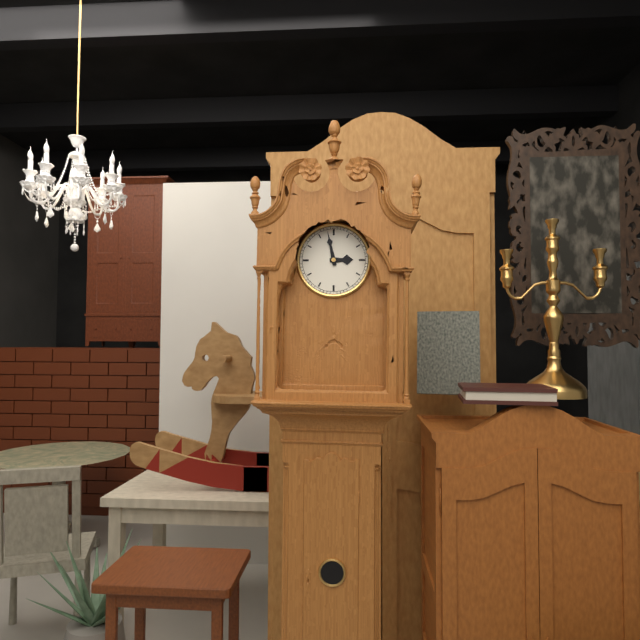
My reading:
2 h 58 min
